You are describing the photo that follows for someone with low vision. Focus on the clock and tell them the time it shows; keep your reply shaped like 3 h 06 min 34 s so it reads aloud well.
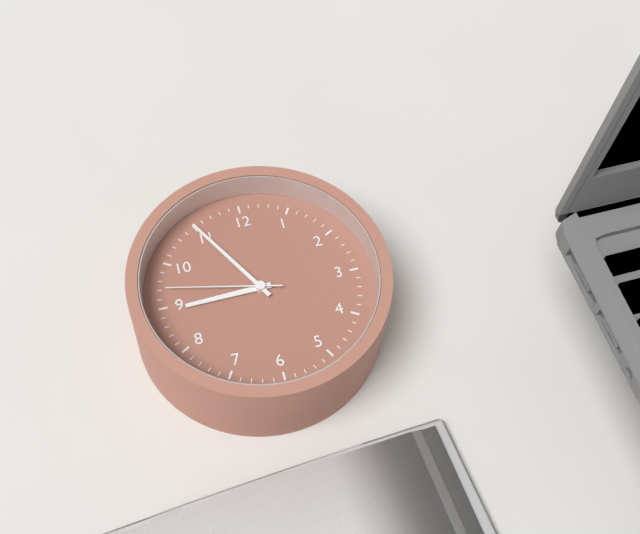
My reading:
8 h 55 min 47 s
